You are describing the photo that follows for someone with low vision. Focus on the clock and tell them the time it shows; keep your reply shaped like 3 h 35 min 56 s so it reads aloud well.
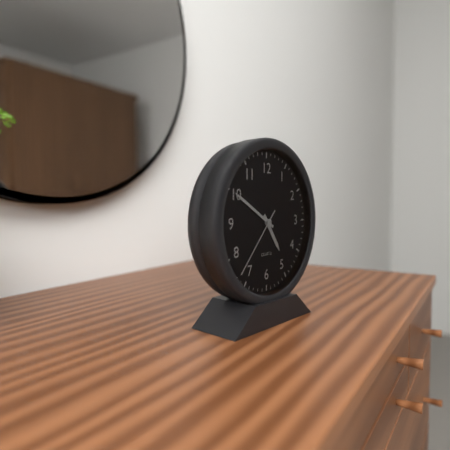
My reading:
4 h 50 min 37 s
